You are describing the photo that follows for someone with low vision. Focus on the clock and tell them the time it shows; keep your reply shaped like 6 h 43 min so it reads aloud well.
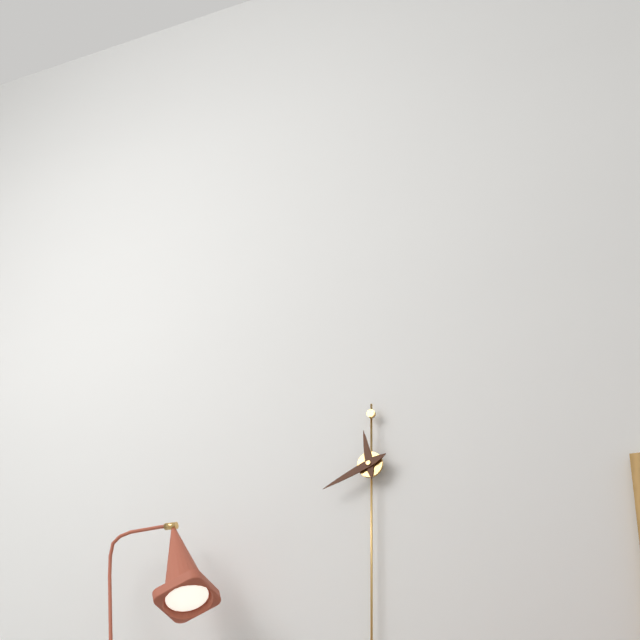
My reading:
11 h 41 min
